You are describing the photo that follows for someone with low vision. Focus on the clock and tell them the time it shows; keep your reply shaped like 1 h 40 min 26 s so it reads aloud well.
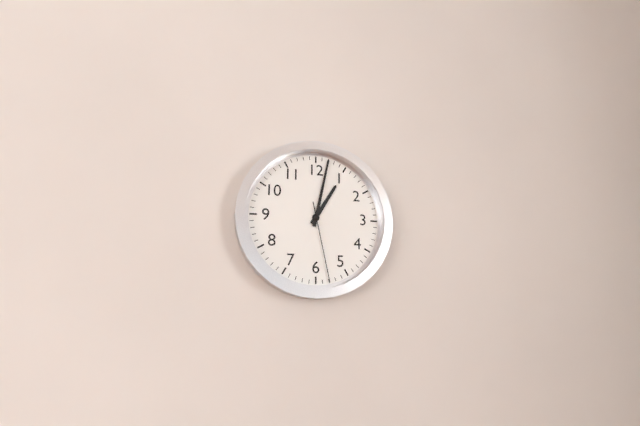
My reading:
1 h 02 min 28 s
